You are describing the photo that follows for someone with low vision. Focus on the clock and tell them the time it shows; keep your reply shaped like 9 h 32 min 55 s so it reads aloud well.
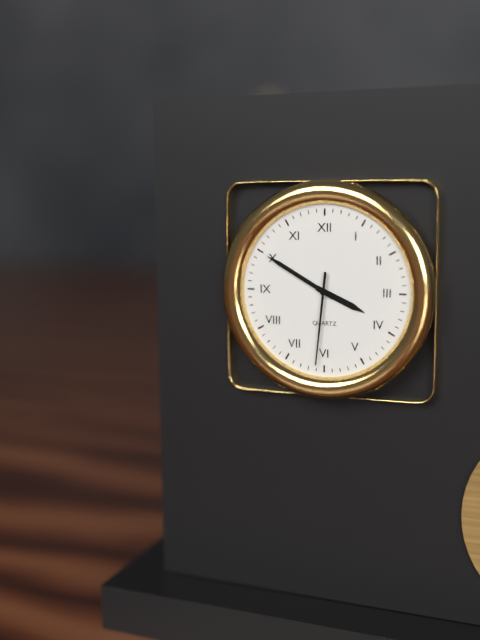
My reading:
3 h 50 min 31 s
